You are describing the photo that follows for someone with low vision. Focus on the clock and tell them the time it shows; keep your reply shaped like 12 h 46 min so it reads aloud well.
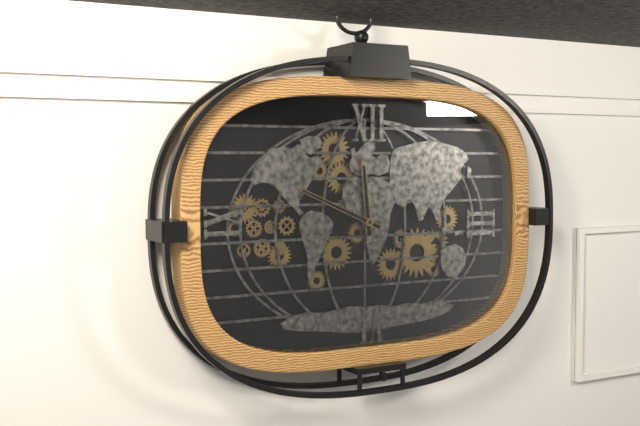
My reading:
11 h 49 min
